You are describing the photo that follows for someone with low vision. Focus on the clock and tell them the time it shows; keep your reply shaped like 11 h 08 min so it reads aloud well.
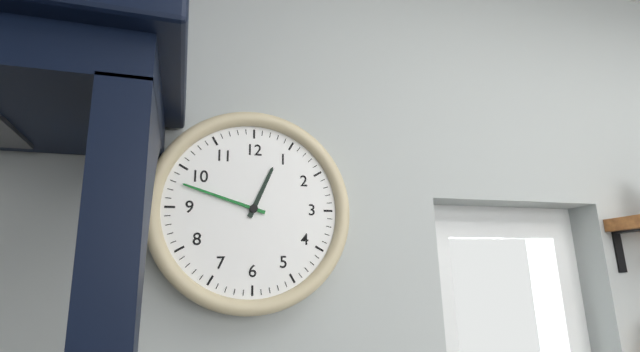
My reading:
12 h 48 min
